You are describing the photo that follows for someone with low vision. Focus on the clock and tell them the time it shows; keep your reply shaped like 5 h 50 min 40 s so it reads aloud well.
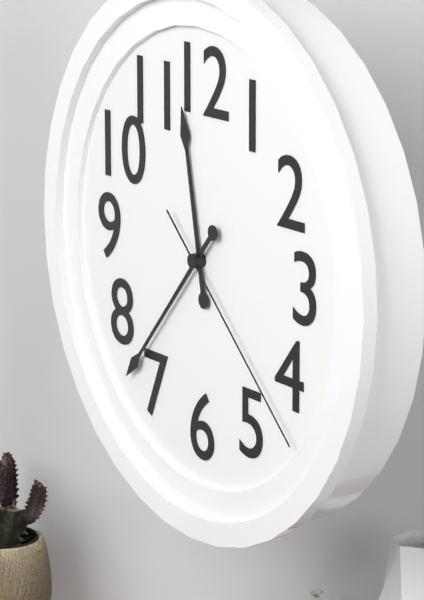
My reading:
11 h 37 min 22 s
